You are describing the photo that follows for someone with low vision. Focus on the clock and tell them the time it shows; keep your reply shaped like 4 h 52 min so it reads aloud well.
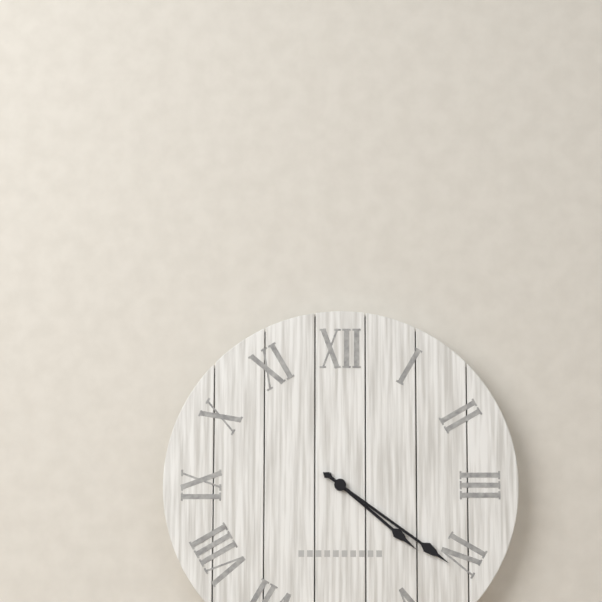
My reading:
4 h 21 min
